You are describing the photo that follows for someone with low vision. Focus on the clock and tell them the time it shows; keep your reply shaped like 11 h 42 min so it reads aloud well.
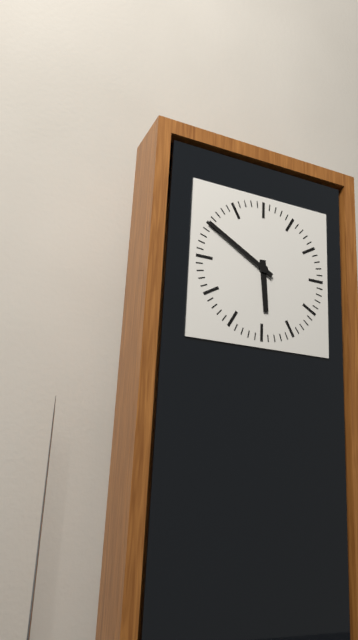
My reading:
5 h 50 min
